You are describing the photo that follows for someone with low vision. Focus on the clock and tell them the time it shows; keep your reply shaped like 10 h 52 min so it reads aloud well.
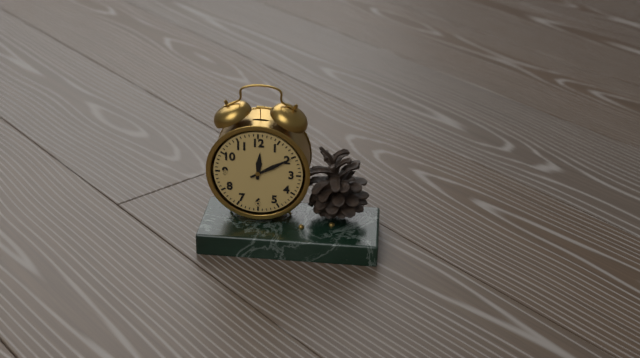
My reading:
12 h 10 min
